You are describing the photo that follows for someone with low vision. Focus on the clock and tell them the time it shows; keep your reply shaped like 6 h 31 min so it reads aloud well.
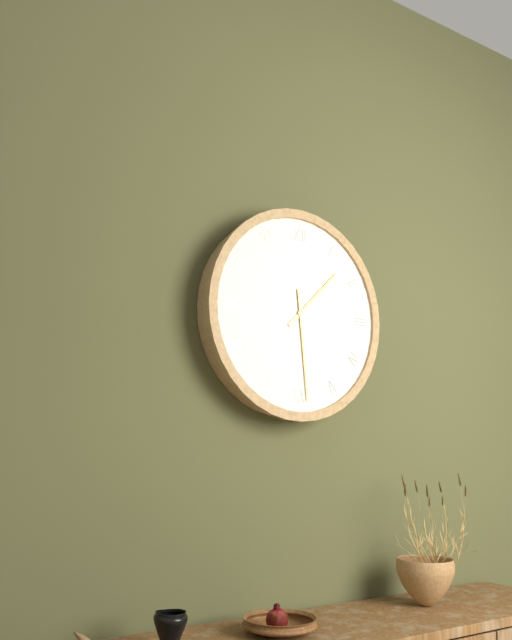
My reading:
1 h 29 min
